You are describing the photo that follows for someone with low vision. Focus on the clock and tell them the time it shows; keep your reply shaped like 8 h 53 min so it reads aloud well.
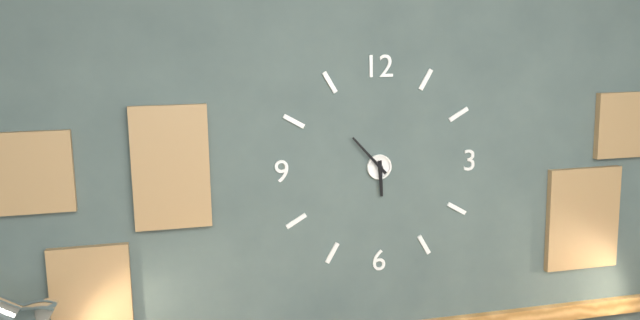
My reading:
5 h 53 min
